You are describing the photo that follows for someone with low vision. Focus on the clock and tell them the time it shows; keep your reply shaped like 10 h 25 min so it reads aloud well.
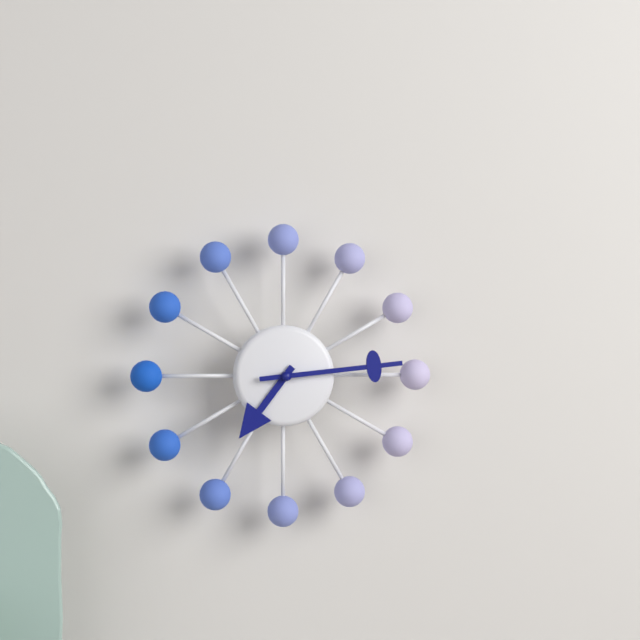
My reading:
7 h 14 min
